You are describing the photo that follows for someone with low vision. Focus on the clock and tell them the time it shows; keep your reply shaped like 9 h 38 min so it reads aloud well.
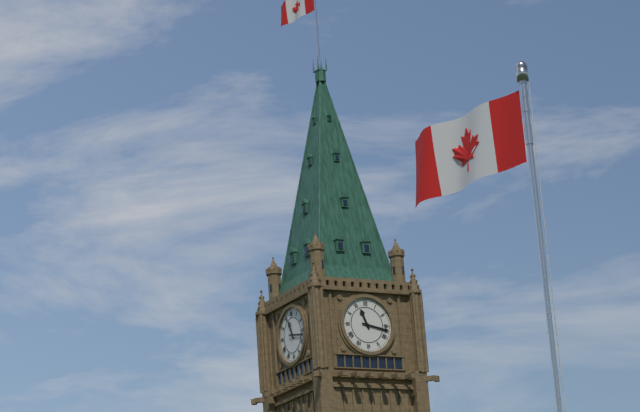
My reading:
11 h 17 min
